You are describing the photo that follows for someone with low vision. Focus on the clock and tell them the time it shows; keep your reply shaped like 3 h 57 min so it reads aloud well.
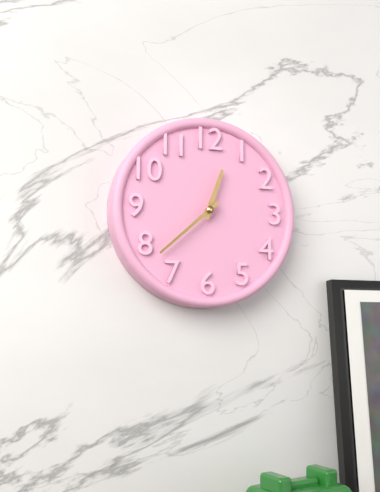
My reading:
12 h 38 min
